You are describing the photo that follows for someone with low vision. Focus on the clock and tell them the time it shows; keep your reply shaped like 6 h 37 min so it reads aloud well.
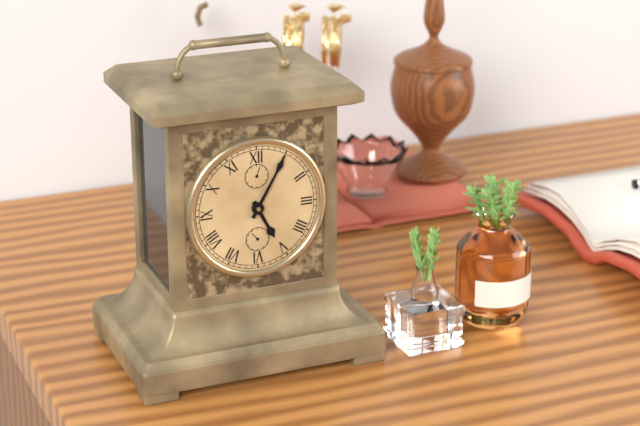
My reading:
5 h 05 min
